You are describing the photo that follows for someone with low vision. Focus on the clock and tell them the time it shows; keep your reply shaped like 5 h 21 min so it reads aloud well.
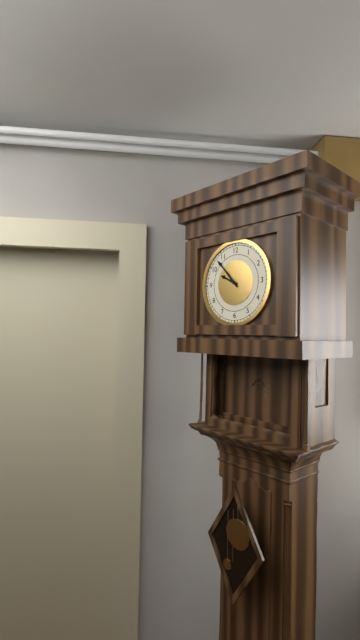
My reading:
9 h 53 min
